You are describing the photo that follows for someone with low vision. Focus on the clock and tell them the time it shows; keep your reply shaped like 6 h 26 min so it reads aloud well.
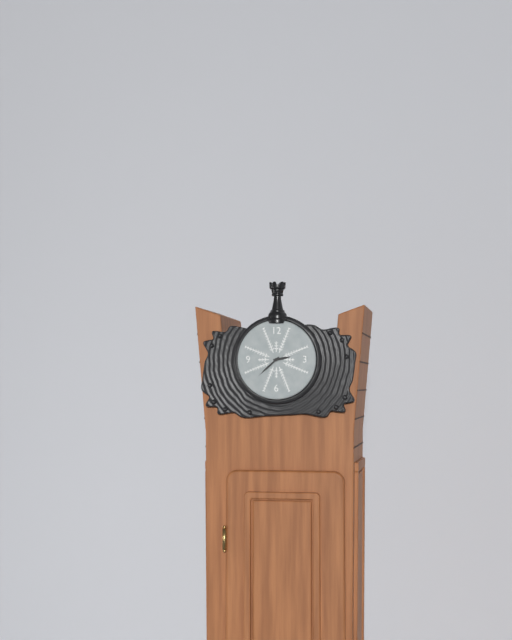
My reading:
2 h 38 min
